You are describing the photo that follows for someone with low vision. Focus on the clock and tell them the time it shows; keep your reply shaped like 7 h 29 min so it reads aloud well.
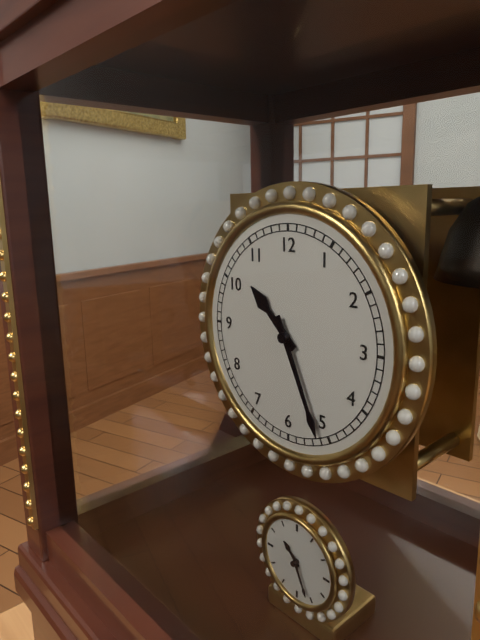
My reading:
10 h 26 min
